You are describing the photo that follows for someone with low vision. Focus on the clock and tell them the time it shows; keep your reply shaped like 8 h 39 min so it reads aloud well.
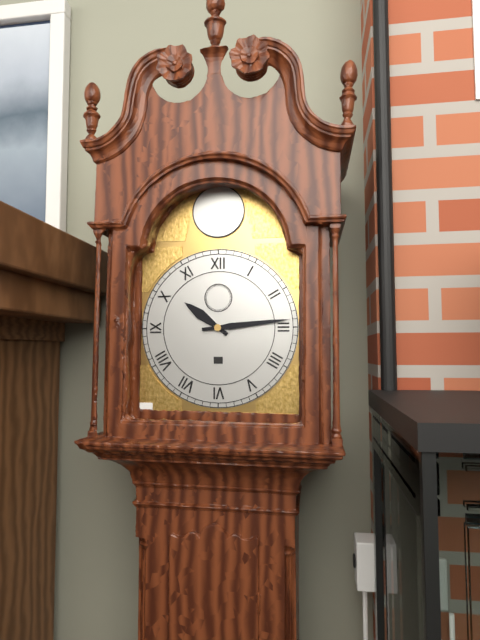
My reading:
10 h 14 min
